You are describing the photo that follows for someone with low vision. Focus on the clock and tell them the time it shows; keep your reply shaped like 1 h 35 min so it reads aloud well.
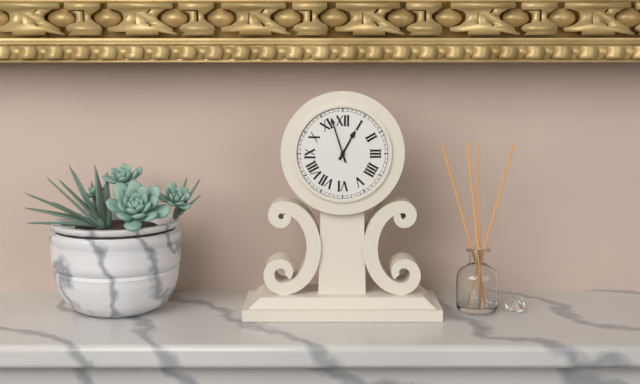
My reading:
12 h 57 min
